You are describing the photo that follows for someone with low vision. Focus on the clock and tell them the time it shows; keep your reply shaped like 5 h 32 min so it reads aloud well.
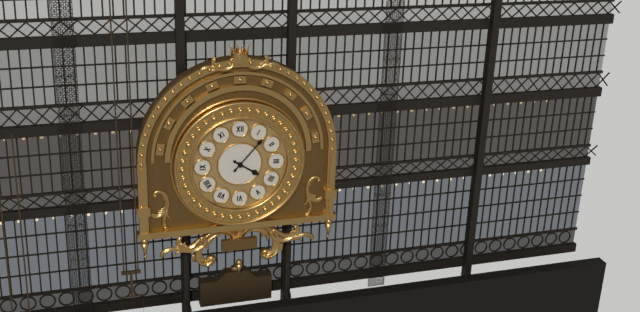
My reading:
4 h 07 min
